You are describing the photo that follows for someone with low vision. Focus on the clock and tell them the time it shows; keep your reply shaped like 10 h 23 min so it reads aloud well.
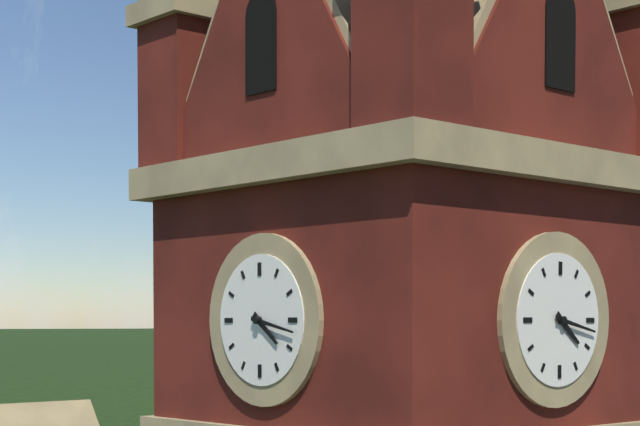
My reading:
4 h 17 min
